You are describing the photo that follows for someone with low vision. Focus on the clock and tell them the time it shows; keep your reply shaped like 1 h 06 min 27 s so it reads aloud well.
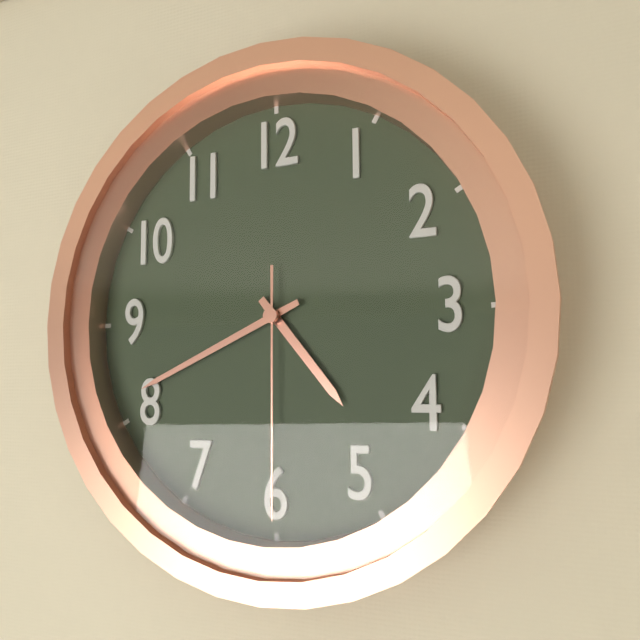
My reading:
4 h 41 min 30 s
